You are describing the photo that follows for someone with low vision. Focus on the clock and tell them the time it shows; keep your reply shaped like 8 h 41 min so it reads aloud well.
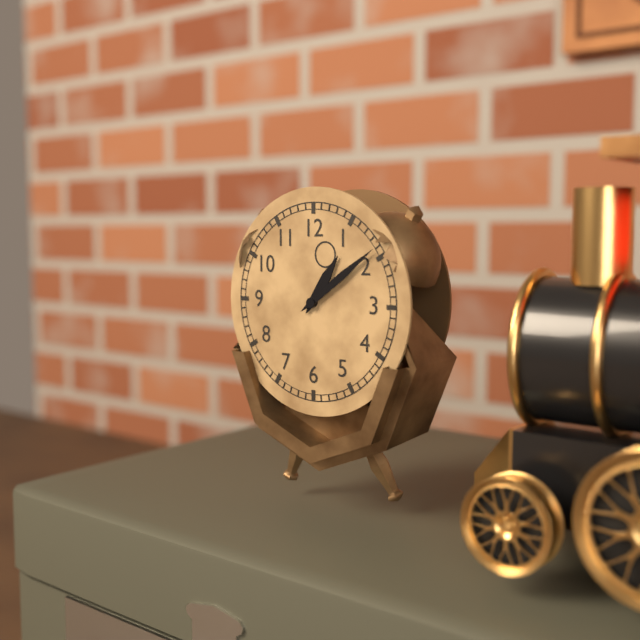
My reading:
1 h 09 min
